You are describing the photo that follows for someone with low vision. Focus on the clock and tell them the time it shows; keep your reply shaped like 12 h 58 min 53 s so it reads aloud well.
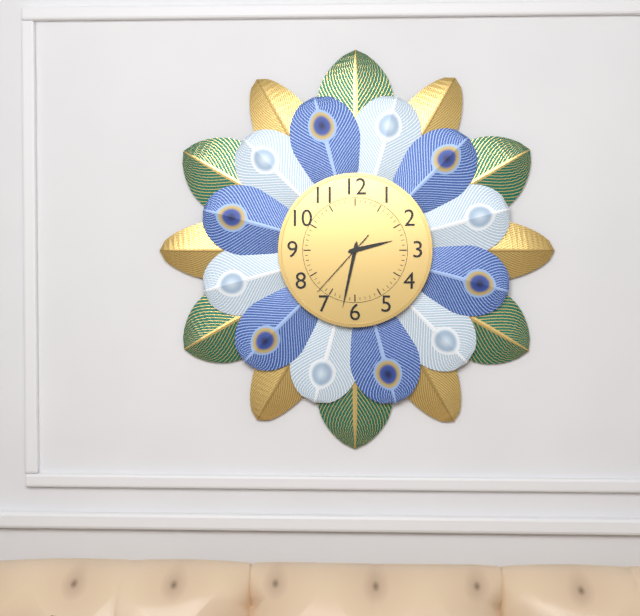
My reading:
2 h 32 min 37 s
